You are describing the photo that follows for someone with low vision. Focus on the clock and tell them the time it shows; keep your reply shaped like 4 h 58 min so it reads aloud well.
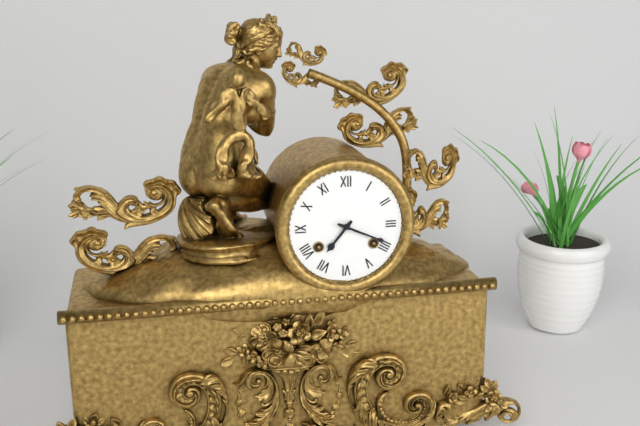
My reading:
7 h 19 min
